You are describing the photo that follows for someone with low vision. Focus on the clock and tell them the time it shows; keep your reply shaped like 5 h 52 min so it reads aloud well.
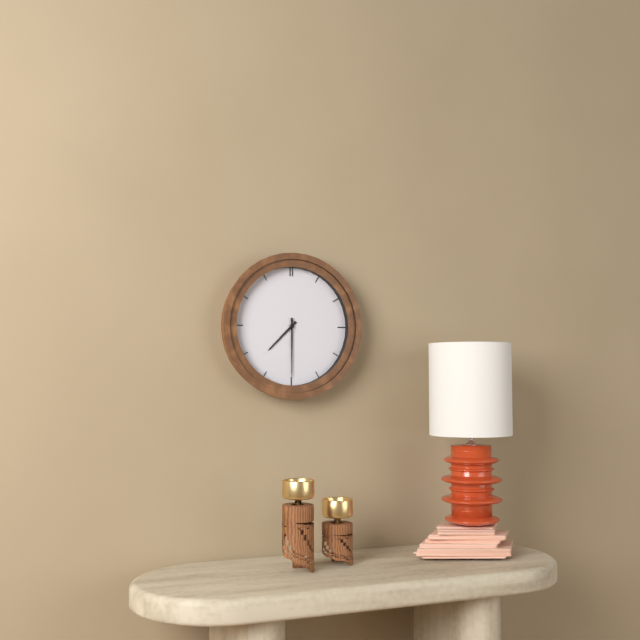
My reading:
7 h 30 min
